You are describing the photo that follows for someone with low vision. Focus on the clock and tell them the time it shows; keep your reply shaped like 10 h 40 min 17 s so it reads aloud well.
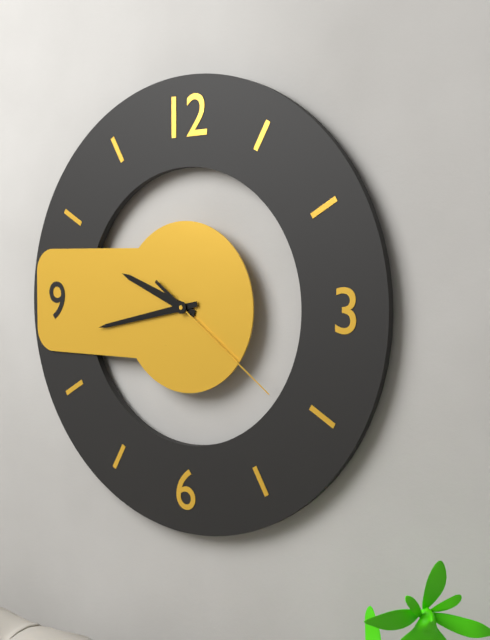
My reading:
9 h 43 min 21 s
